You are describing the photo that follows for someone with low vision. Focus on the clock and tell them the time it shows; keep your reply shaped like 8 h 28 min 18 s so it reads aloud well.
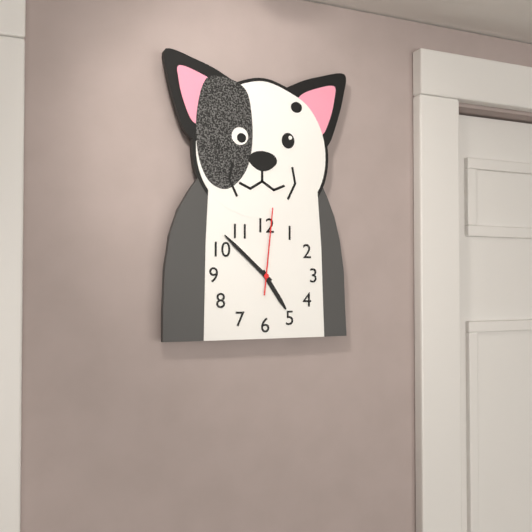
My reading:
4 h 52 min 01 s
